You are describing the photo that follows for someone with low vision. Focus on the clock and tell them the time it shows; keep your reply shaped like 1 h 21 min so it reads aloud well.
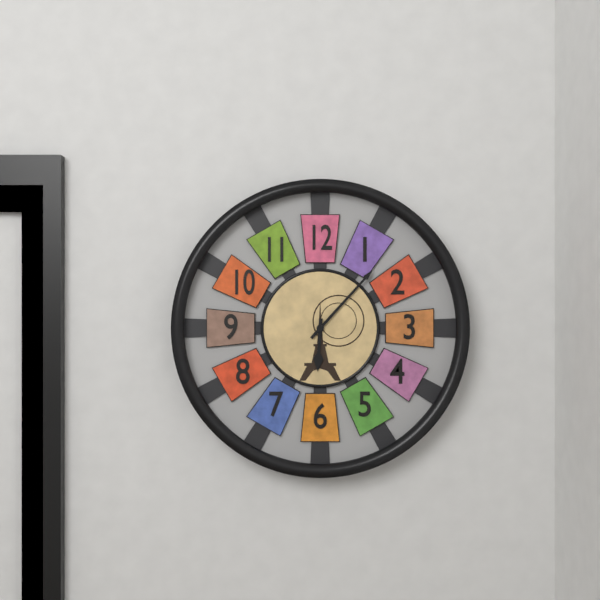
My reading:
6 h 07 min
